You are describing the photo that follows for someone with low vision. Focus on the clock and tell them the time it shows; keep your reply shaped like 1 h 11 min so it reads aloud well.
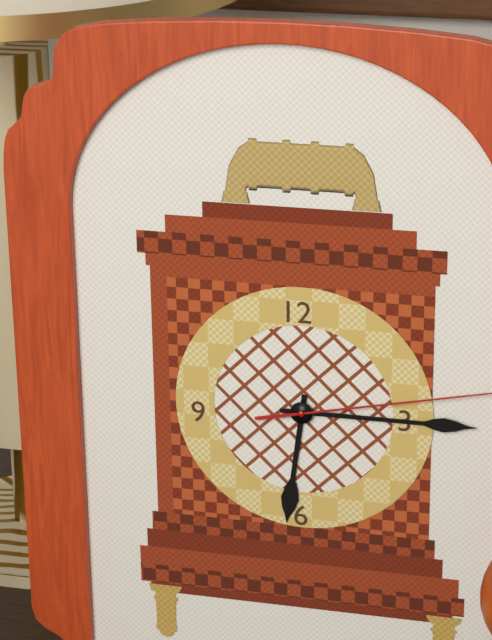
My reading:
6 h 15 min
